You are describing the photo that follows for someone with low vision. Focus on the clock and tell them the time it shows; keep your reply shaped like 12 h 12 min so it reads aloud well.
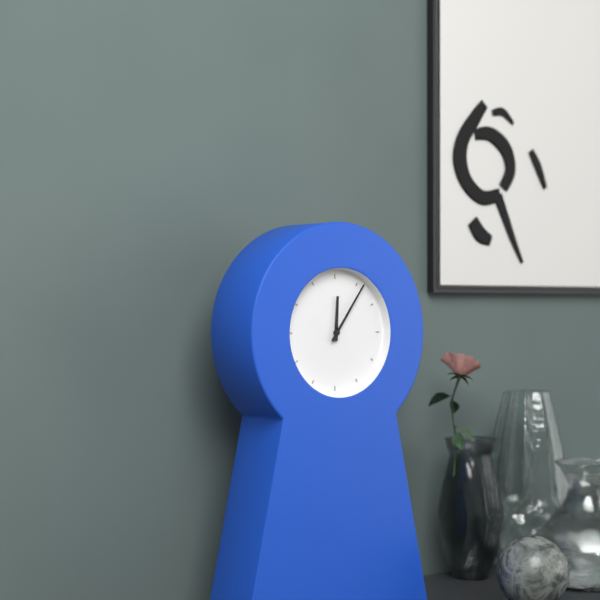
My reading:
12 h 06 min
